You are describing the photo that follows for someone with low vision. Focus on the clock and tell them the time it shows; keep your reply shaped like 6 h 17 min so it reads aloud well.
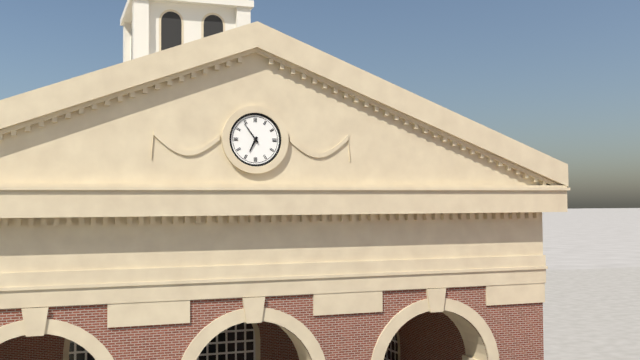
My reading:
6 h 54 min
